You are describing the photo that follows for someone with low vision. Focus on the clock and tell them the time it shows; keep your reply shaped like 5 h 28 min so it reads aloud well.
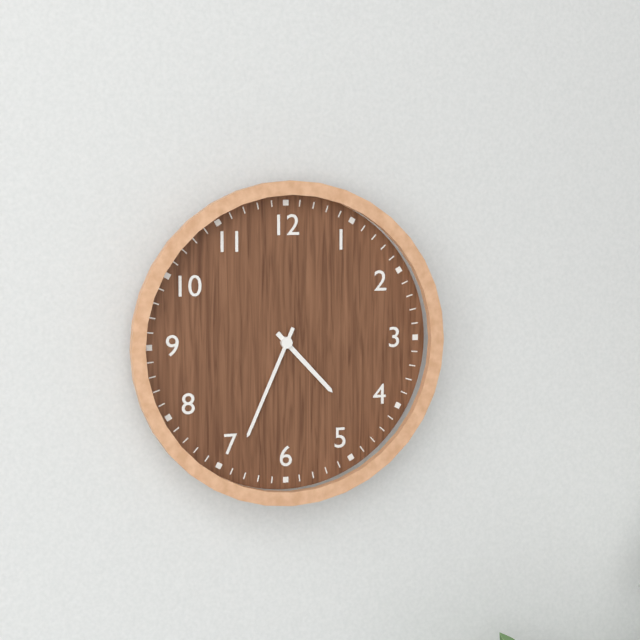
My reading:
4 h 34 min
